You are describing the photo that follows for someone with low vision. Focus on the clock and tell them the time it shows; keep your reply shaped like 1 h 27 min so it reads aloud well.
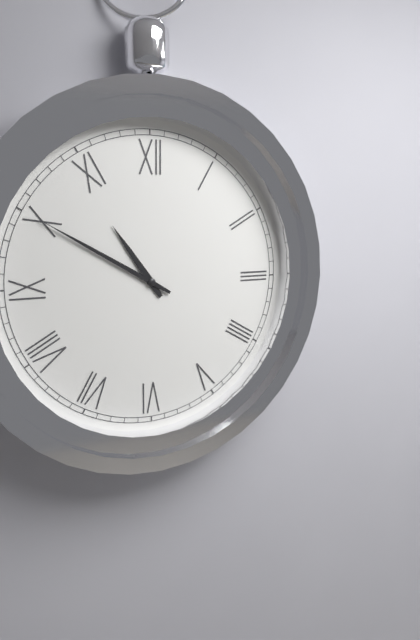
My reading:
10 h 50 min
